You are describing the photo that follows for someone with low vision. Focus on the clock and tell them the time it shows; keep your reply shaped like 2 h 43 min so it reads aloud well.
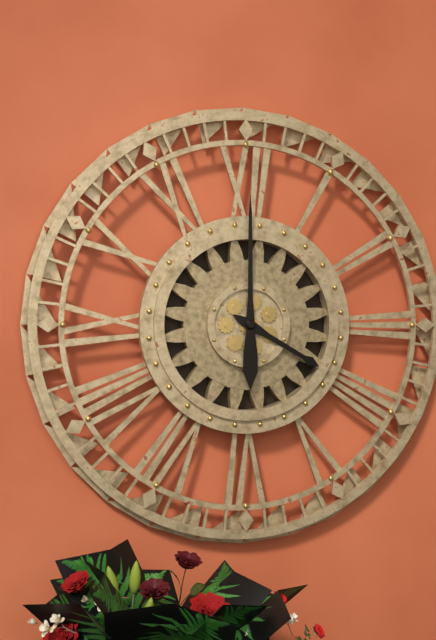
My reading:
4 h 00 min
